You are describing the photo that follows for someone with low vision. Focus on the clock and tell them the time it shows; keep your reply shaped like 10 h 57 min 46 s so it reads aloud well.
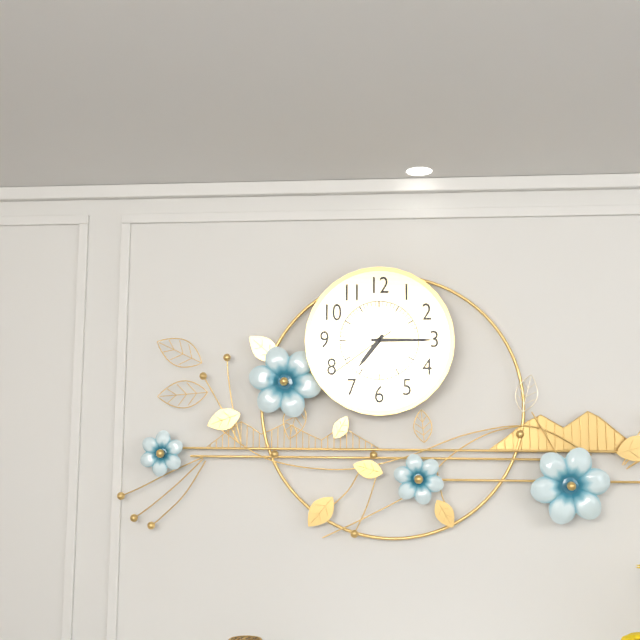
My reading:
7 h 15 min 39 s
